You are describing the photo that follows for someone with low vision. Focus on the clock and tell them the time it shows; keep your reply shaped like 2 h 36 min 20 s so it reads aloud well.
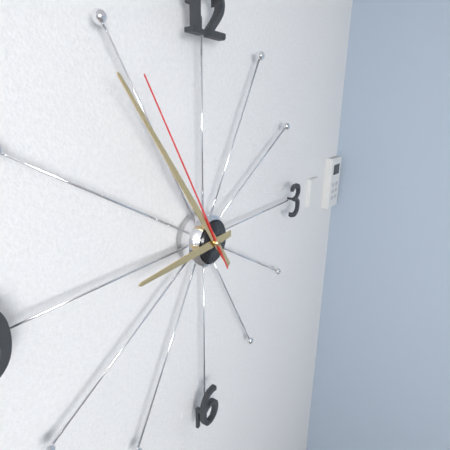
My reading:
8 h 54 min 55 s
